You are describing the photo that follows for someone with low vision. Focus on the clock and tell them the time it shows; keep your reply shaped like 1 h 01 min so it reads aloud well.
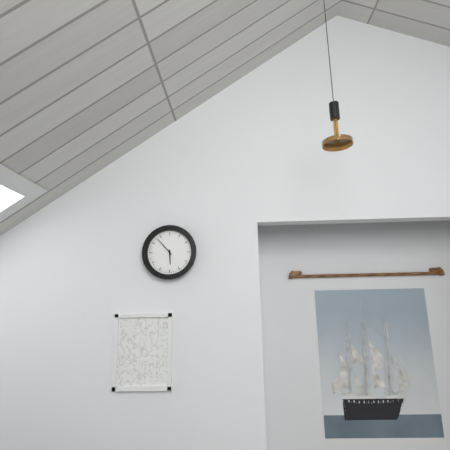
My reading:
5 h 53 min
